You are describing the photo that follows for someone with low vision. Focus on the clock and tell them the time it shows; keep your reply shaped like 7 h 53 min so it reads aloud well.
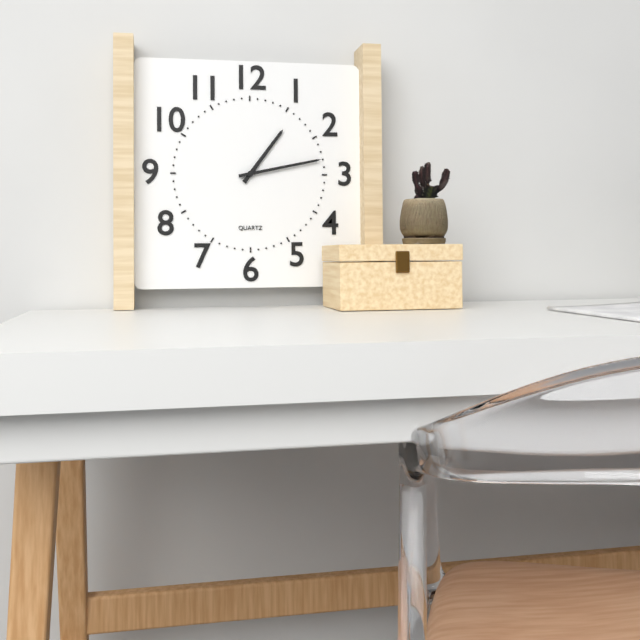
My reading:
1 h 13 min
